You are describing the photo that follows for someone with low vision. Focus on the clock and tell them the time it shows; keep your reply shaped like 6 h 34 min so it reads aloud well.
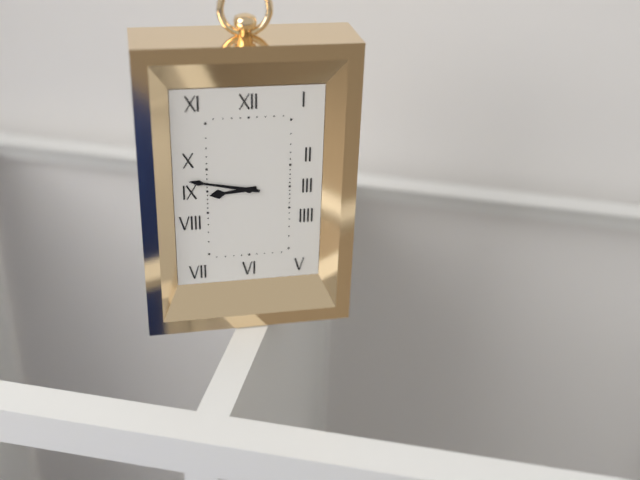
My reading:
8 h 47 min
